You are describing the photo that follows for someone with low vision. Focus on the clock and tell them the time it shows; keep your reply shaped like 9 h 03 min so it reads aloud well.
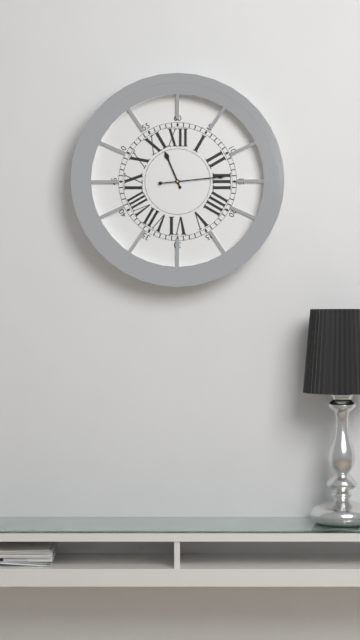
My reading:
11 h 14 min
